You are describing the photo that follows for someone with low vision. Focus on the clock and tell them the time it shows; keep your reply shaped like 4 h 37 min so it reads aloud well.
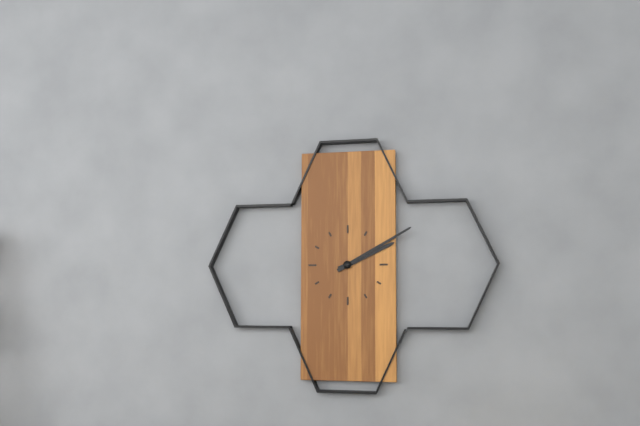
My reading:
2 h 10 min
